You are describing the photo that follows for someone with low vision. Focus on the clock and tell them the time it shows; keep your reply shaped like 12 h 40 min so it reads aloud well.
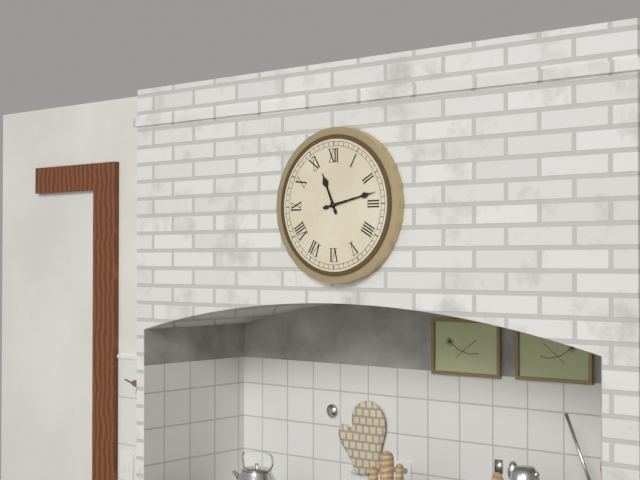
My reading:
11 h 13 min
